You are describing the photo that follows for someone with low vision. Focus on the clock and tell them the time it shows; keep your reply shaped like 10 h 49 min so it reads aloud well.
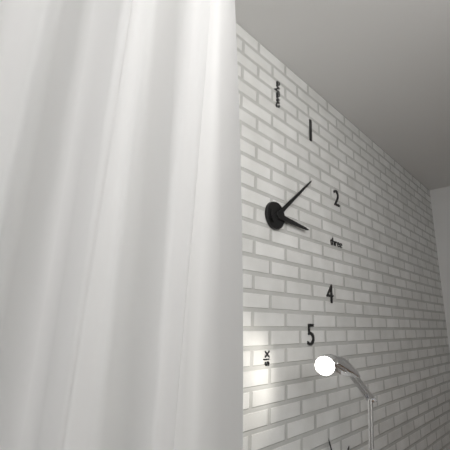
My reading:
3 h 08 min
